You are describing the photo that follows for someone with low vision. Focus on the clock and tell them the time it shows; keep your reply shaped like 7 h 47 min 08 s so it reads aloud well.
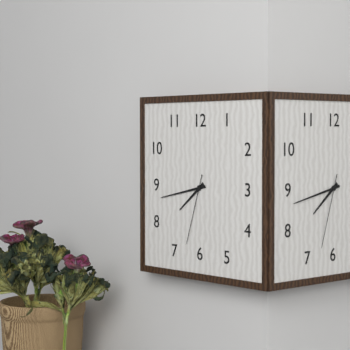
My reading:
7 h 43 min 33 s
